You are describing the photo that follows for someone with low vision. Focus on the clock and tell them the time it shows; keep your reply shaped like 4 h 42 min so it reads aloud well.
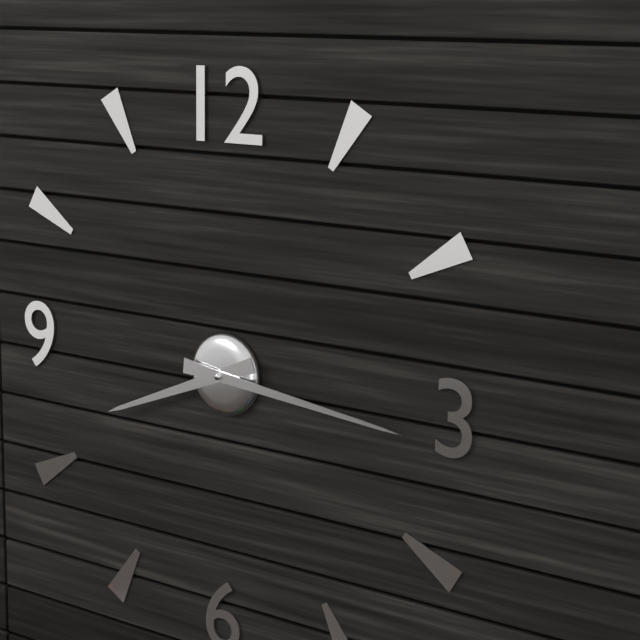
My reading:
8 h 16 min
